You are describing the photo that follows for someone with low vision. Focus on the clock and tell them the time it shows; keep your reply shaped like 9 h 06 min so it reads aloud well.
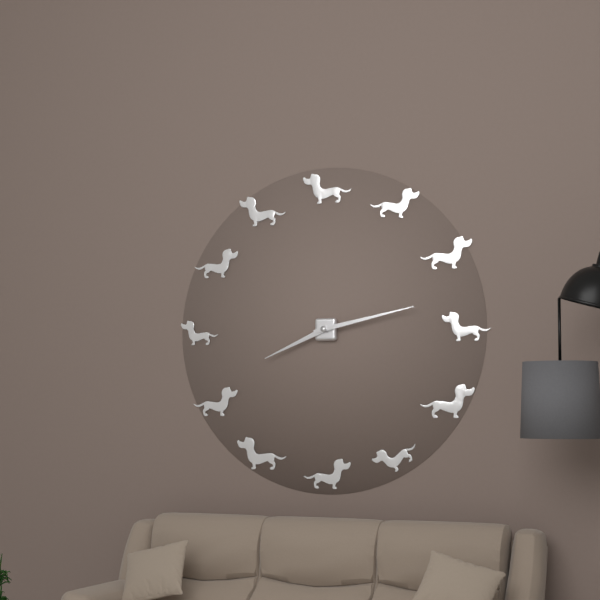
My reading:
8 h 13 min
